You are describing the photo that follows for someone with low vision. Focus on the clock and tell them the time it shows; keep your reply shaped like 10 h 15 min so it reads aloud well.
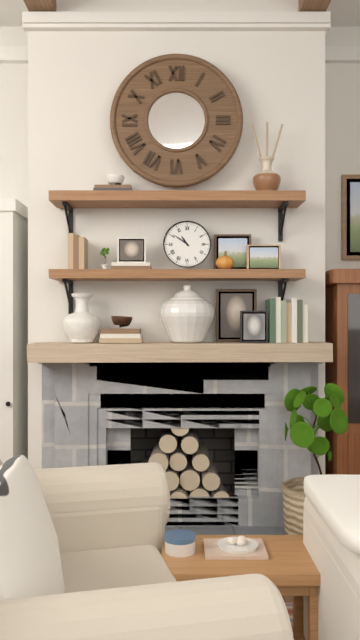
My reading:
10 h 51 min
